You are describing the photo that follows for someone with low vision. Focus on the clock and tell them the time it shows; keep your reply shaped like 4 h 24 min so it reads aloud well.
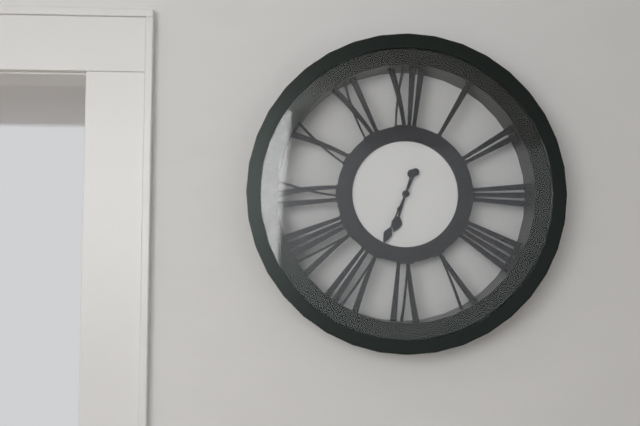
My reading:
6 h 34 min
